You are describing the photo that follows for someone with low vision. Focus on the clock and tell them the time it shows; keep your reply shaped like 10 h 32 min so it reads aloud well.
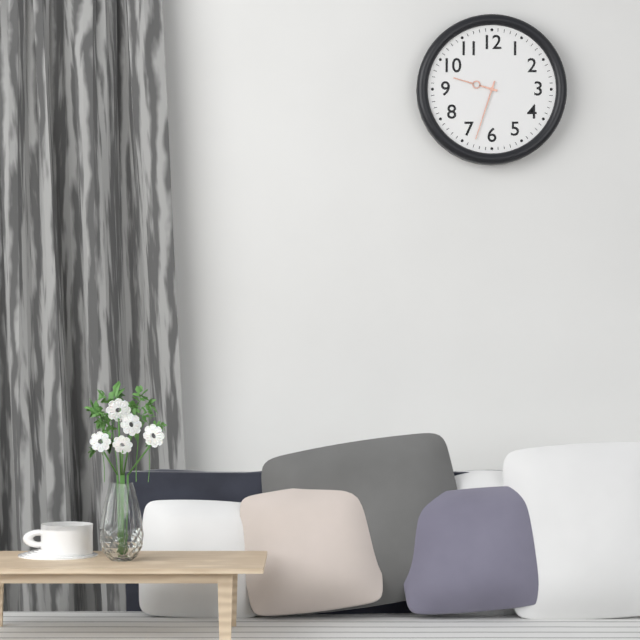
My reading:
9 h 33 min
